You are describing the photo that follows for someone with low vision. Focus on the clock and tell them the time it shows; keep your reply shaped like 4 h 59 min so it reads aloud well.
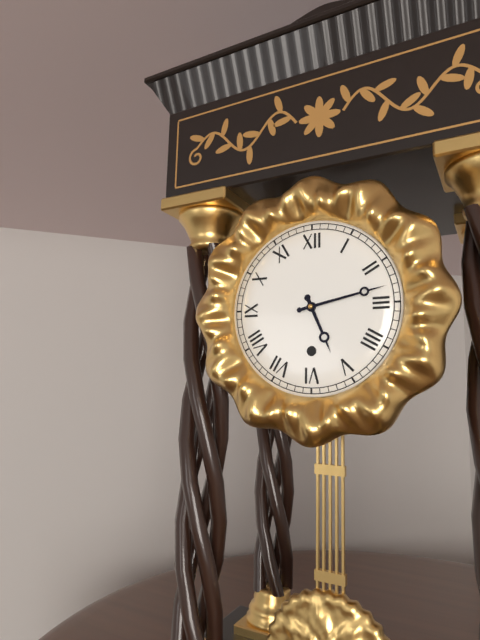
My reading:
5 h 13 min
